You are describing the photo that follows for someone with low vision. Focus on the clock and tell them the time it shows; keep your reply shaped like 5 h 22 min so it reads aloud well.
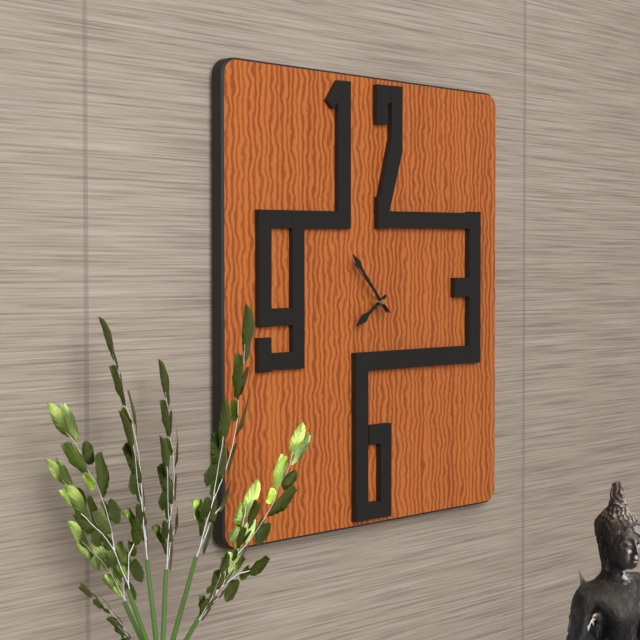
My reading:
7 h 53 min
